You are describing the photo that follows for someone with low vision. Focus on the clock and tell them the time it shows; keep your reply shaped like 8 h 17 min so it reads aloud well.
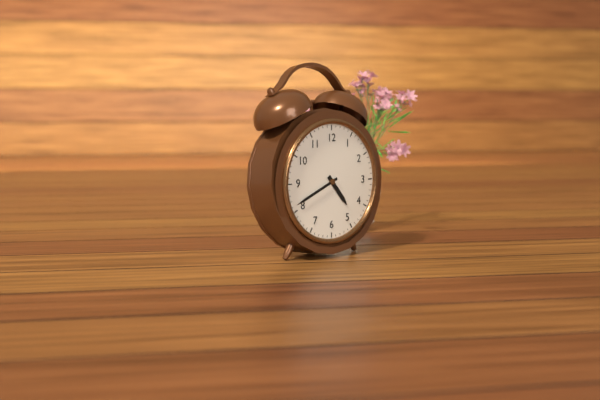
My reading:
4 h 41 min
